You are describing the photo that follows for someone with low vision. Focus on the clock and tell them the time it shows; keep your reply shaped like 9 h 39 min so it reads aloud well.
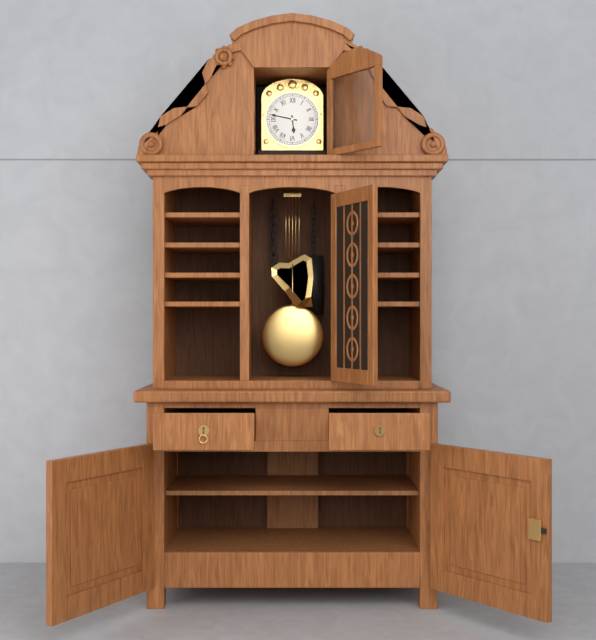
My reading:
5 h 47 min
